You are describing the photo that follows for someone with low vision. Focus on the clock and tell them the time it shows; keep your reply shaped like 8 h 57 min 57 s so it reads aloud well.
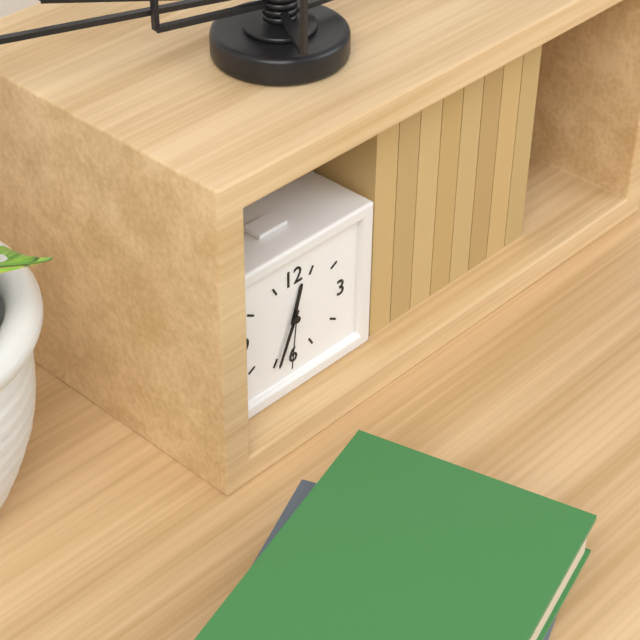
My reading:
12 h 34 min 31 s
